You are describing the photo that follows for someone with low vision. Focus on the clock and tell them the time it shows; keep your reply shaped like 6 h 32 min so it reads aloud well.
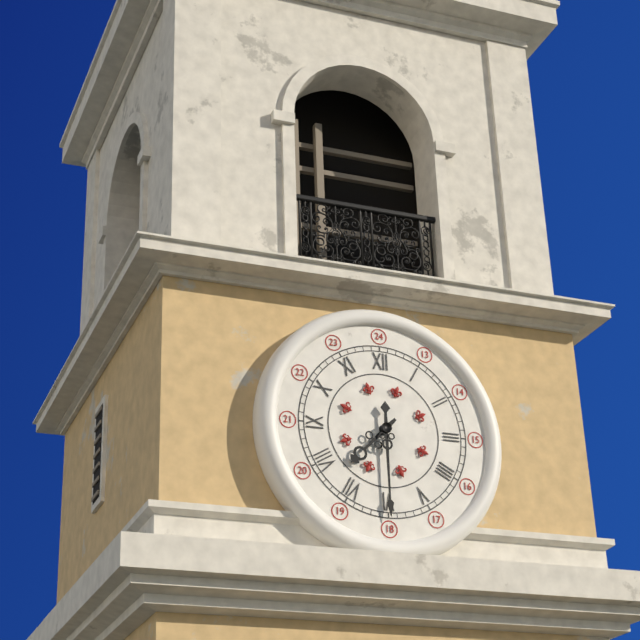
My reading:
7 h 30 min
